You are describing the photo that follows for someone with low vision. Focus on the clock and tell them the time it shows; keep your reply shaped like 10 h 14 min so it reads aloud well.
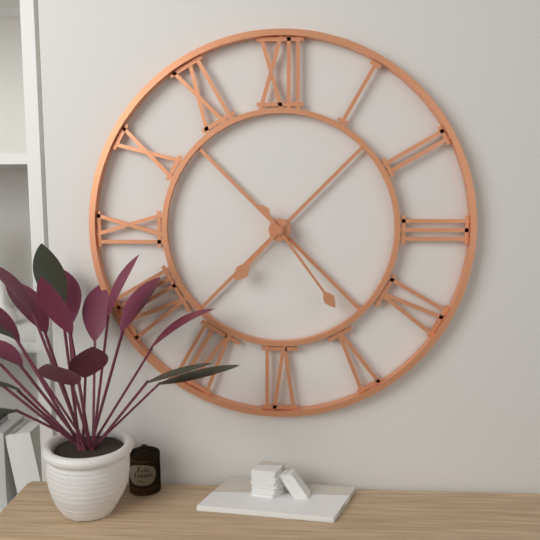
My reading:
7 h 24 min
